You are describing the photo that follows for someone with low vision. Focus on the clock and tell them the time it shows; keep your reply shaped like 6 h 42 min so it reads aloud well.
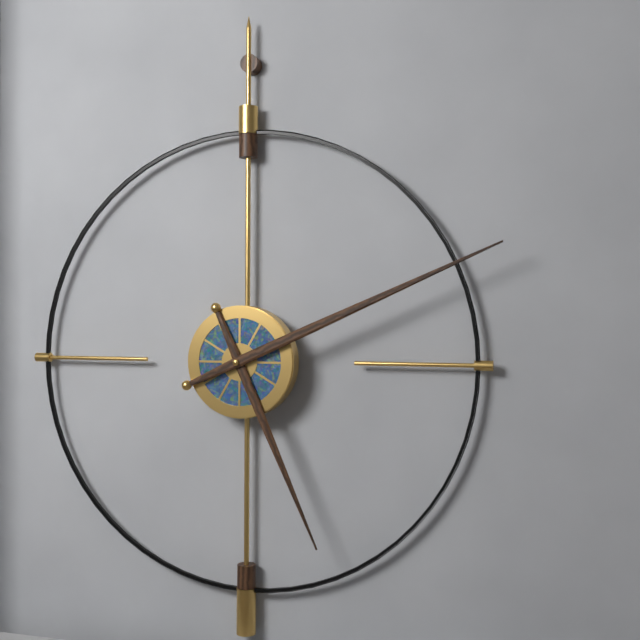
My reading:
5 h 11 min
